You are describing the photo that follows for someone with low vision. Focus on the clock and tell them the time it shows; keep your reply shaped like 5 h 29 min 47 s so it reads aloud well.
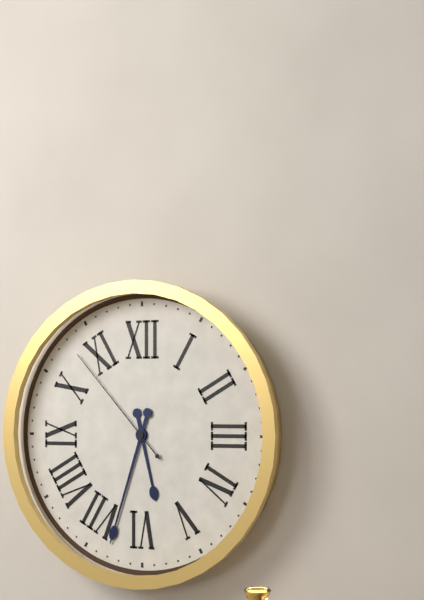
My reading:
5 h 33 min 53 s
